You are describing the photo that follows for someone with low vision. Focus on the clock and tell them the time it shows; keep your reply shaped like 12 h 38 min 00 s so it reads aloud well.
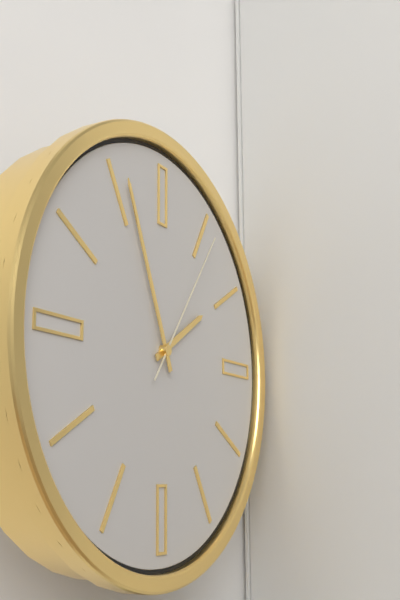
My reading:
1 h 56 min 06 s
